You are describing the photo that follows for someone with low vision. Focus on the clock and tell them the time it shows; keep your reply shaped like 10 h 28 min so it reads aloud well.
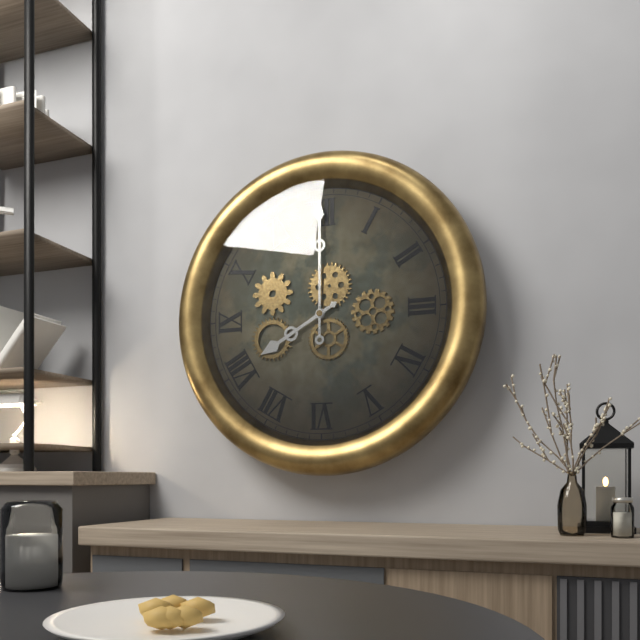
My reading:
8 h 00 min
